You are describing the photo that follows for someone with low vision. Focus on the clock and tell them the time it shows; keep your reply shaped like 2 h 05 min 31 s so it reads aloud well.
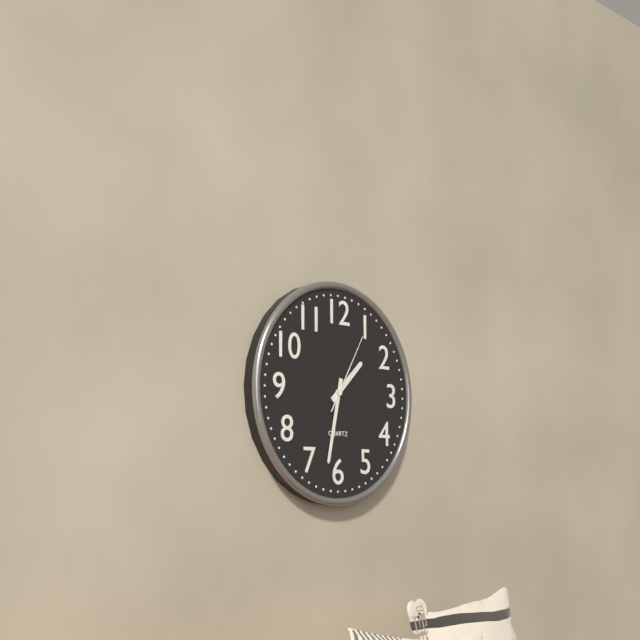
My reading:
1 h 32 min 05 s
